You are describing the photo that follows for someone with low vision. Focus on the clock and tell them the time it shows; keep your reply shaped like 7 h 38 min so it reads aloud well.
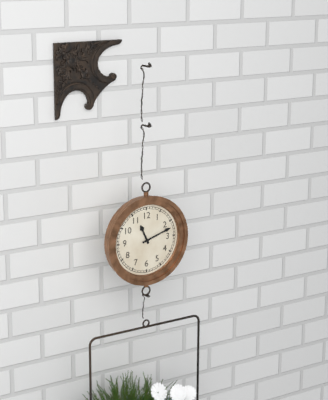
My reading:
11 h 12 min
